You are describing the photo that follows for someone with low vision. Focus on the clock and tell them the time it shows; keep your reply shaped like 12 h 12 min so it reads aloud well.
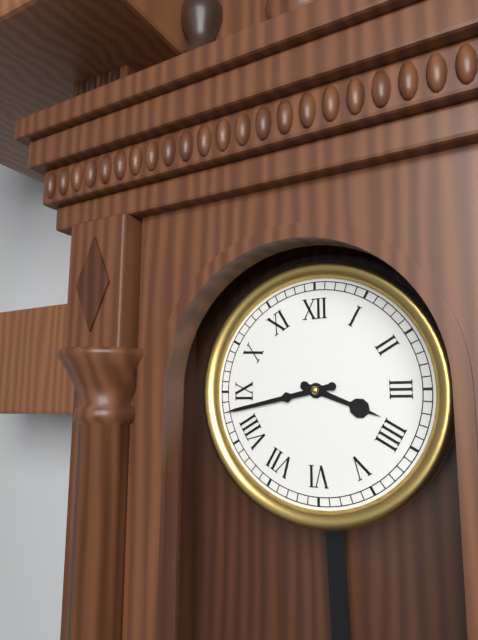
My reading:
3 h 43 min
